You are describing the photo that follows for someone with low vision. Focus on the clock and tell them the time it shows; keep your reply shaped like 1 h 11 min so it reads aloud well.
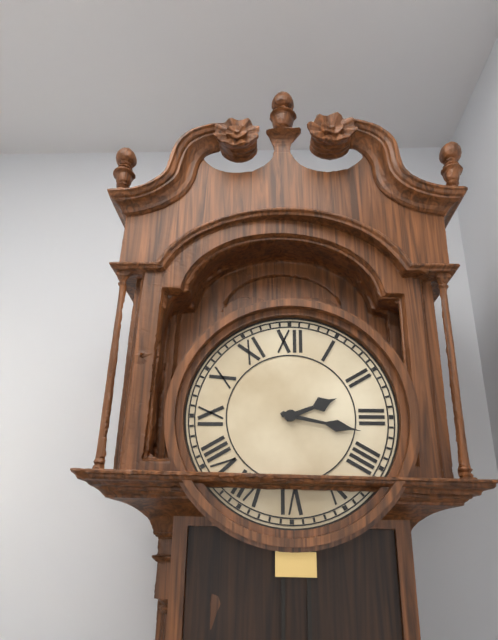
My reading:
2 h 17 min
